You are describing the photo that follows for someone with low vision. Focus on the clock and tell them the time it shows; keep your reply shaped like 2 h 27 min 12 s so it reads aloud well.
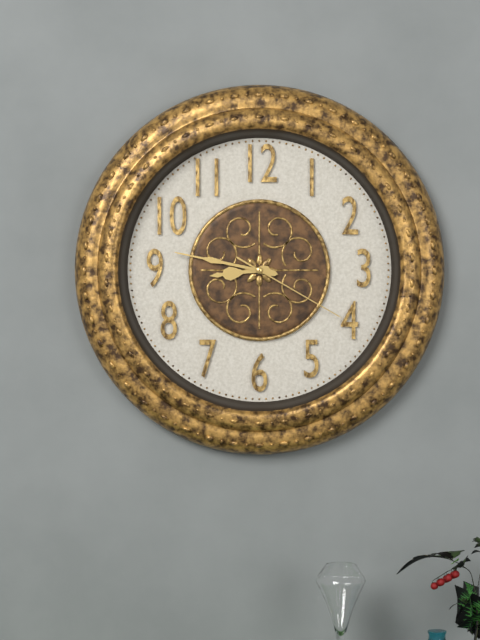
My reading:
8 h 47 min 20 s
